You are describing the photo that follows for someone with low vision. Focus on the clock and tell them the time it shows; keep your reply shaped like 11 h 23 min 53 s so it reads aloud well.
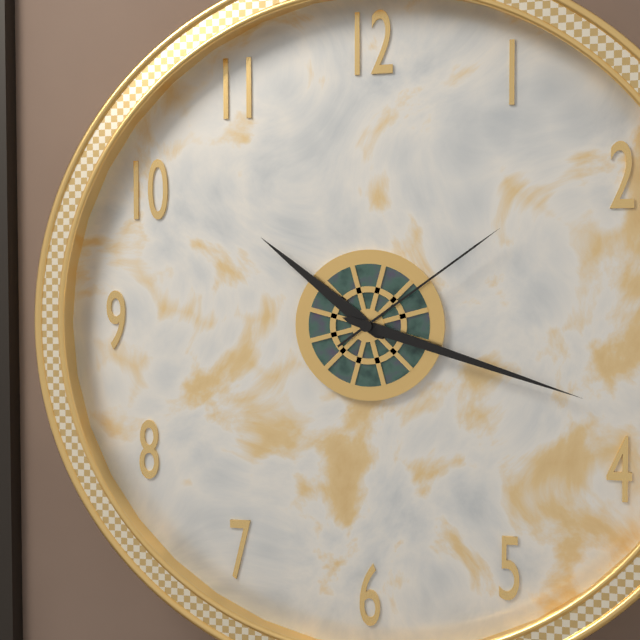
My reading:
10 h 18 min 09 s
